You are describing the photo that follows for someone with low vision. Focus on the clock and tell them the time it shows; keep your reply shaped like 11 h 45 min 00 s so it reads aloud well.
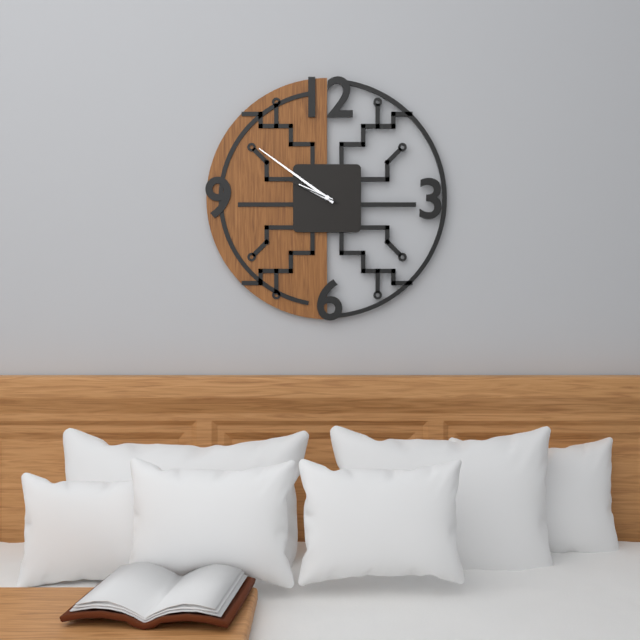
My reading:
9 h 51 min 49 s
